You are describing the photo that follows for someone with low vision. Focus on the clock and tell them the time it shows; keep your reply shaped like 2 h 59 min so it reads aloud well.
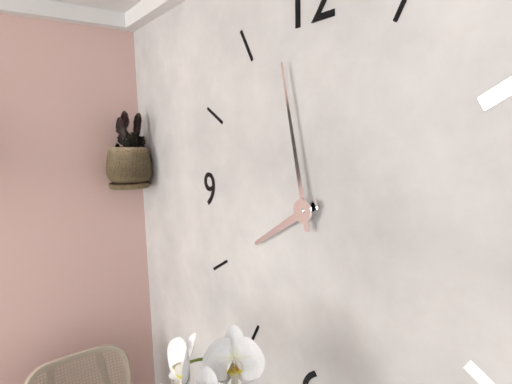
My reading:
7 h 58 min
